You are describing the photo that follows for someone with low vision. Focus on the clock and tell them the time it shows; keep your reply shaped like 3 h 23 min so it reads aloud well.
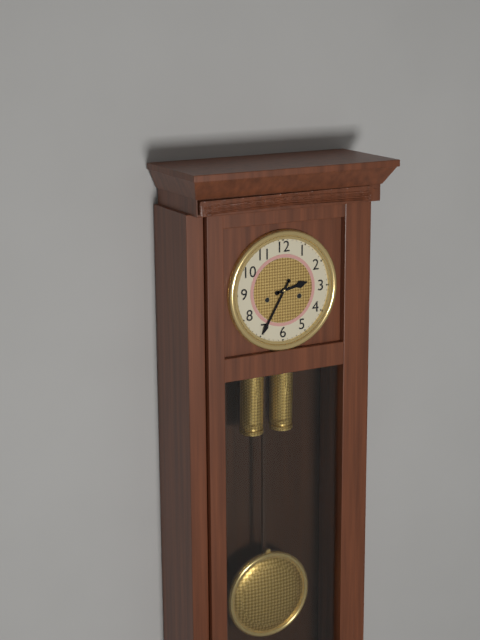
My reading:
2 h 35 min
